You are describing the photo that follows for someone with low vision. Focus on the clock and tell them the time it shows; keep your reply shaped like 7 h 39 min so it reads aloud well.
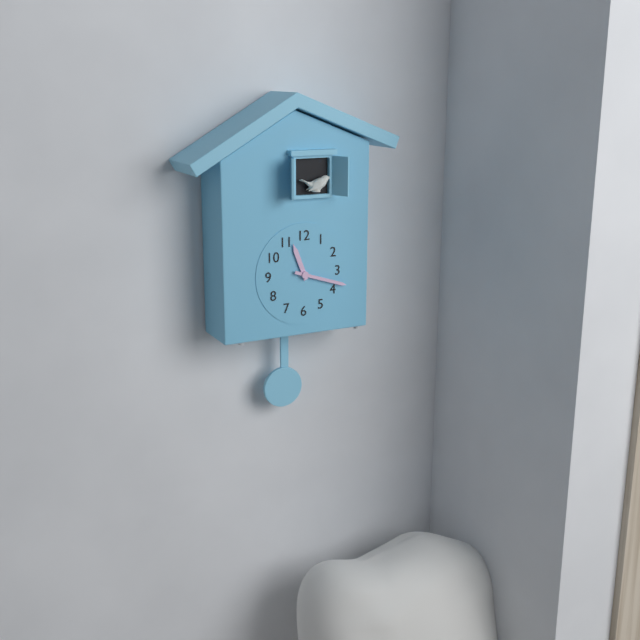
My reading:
11 h 18 min
